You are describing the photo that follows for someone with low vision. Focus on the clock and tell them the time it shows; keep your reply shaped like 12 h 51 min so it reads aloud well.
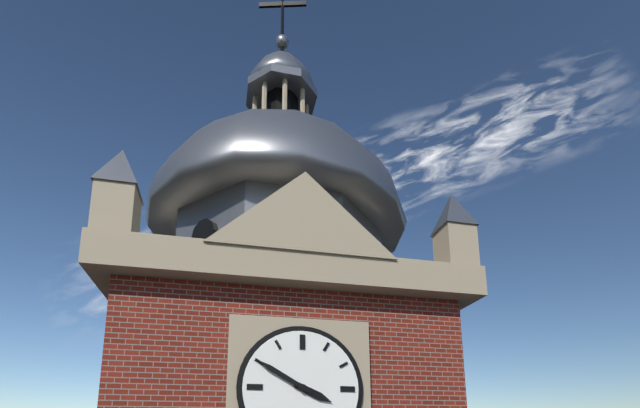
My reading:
3 h 50 min
